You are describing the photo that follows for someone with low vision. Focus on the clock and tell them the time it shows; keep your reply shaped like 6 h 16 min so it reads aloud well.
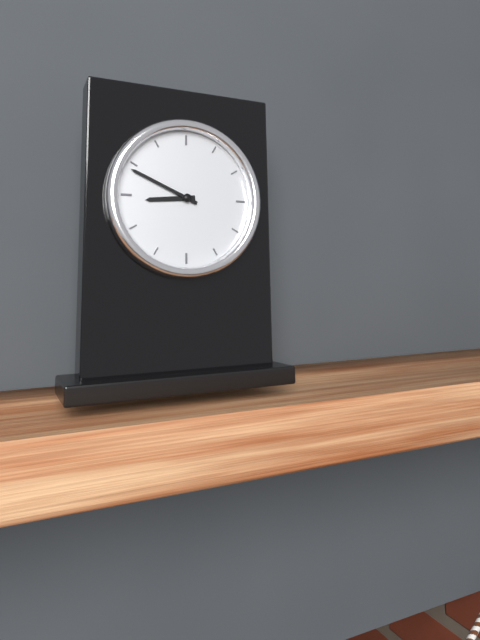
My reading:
8 h 49 min
